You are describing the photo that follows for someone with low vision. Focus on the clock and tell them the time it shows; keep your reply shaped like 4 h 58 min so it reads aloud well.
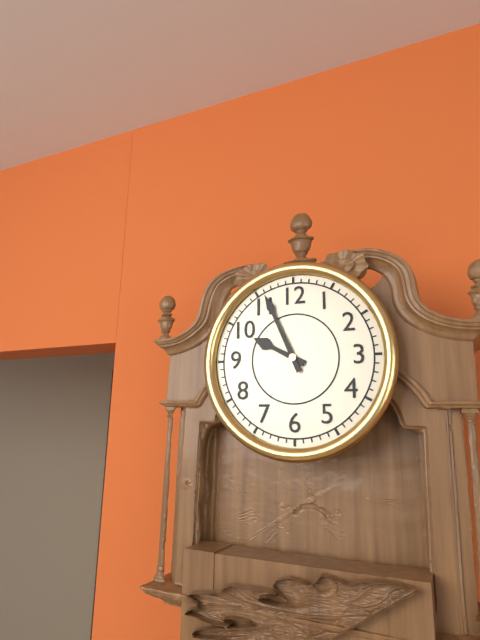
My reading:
9 h 56 min
